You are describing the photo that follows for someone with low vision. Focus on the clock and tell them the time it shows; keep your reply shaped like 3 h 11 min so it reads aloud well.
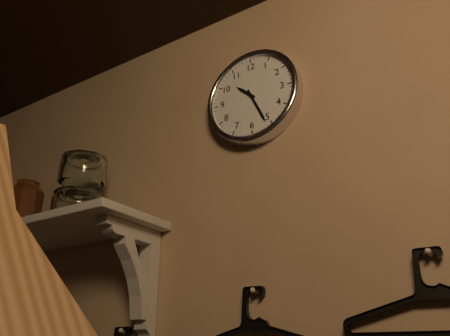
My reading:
10 h 26 min
